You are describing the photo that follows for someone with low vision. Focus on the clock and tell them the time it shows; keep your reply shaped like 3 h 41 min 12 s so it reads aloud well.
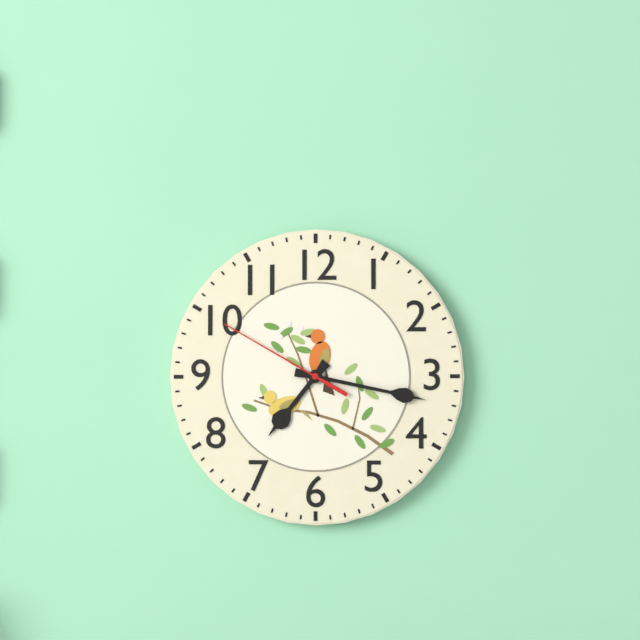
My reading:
7 h 17 min 50 s
